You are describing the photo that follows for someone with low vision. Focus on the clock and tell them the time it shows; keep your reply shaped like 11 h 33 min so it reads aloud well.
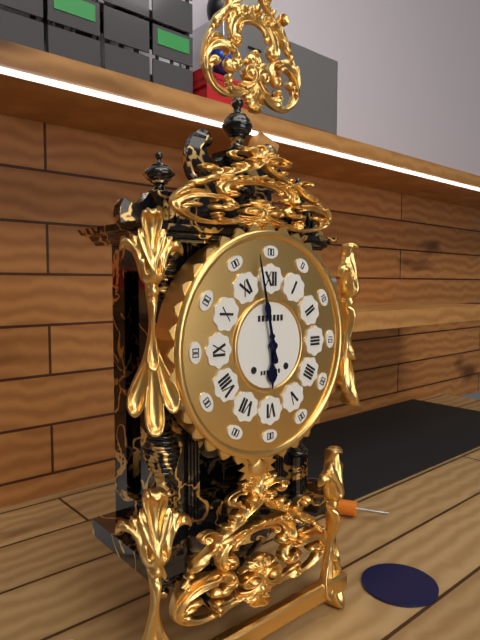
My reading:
5 h 58 min
